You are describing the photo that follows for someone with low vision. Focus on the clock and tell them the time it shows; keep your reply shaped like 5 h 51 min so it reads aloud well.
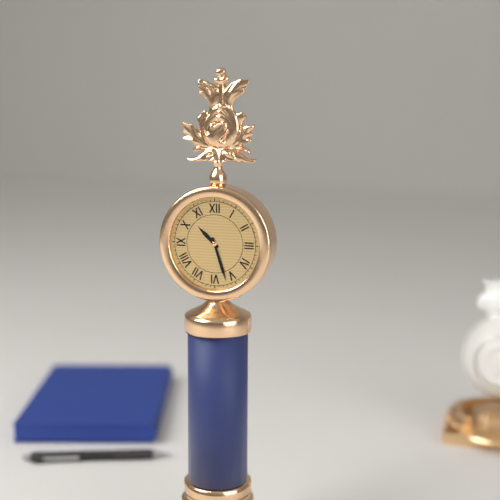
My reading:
10 h 27 min
